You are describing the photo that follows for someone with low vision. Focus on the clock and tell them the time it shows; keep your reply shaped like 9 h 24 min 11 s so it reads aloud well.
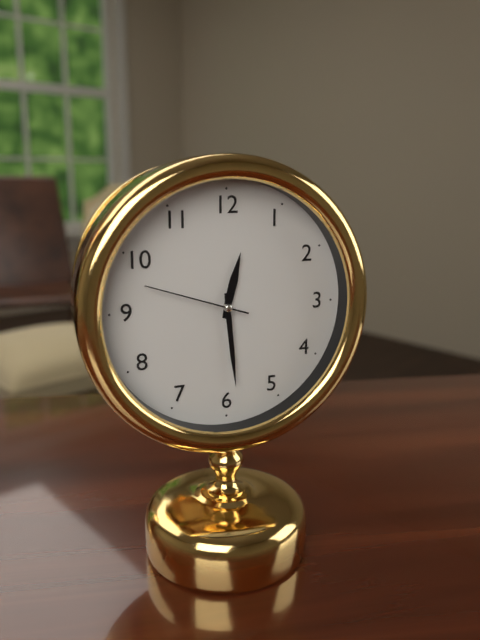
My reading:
12 h 29 min 48 s
